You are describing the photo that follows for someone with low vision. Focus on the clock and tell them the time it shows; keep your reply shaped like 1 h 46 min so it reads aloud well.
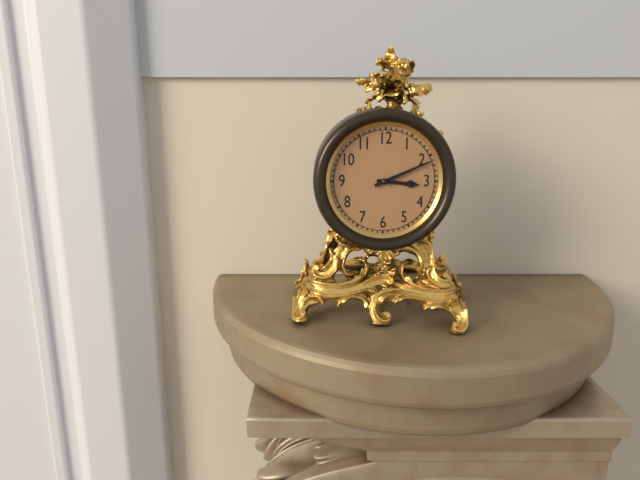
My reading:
3 h 11 min
